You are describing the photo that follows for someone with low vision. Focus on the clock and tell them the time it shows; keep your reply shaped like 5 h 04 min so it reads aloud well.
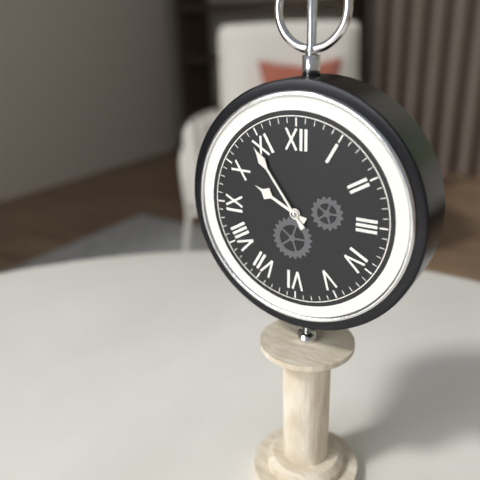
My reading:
9 h 54 min
